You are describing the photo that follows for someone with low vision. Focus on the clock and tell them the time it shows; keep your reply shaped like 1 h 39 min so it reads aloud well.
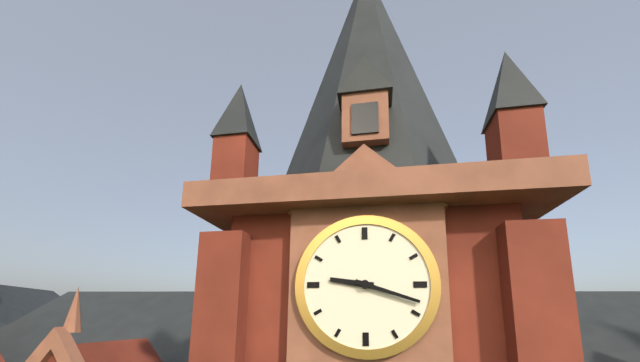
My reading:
9 h 18 min
